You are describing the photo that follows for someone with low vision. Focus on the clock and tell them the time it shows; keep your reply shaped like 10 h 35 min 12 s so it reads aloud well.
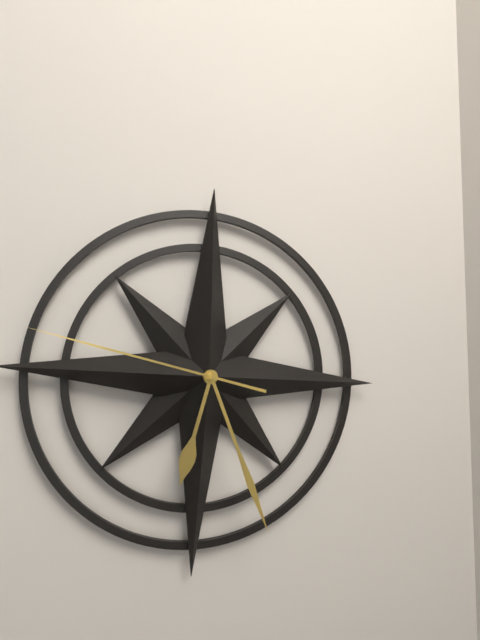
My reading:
6 h 26 min 47 s
